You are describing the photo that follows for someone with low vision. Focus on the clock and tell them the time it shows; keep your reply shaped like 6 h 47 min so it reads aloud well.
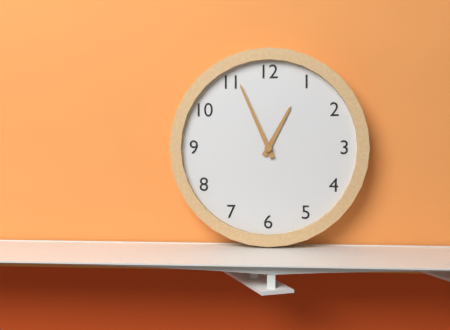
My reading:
12 h 56 min
